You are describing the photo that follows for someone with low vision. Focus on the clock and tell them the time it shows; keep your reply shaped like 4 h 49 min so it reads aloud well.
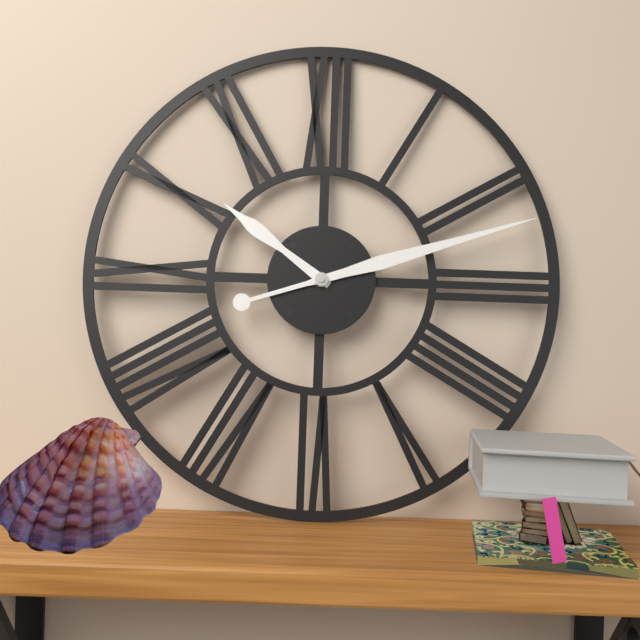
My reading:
10 h 12 min
